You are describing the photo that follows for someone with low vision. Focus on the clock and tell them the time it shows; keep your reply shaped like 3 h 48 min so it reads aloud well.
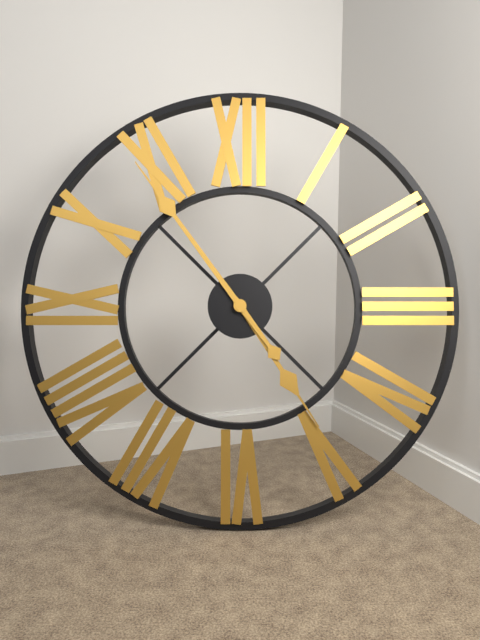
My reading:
4 h 54 min
